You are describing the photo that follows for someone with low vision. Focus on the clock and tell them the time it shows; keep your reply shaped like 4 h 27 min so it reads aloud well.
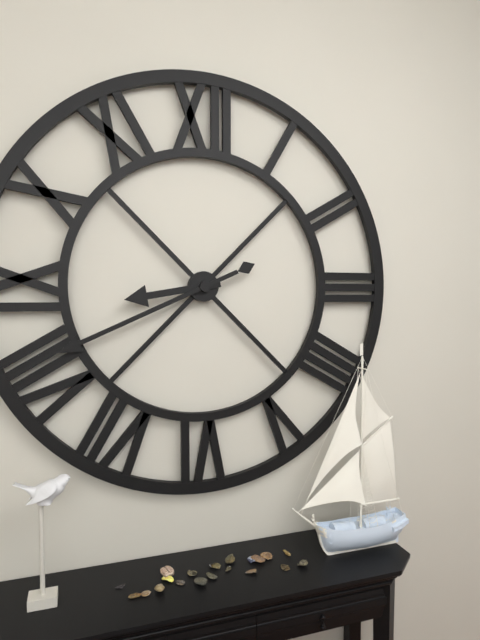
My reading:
8 h 41 min
